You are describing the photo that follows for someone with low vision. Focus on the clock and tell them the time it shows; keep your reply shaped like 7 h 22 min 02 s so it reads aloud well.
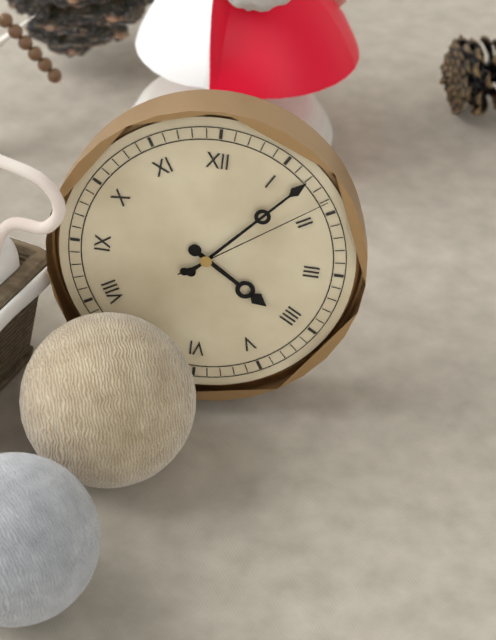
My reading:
4 h 07 min 09 s
